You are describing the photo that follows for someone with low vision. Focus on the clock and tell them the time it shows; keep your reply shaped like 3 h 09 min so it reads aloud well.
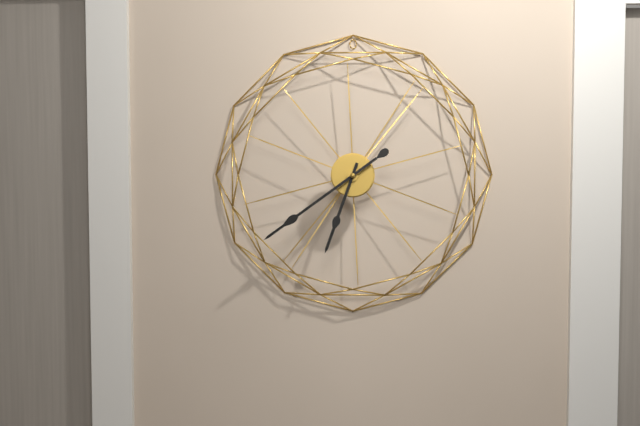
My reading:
6 h 39 min
